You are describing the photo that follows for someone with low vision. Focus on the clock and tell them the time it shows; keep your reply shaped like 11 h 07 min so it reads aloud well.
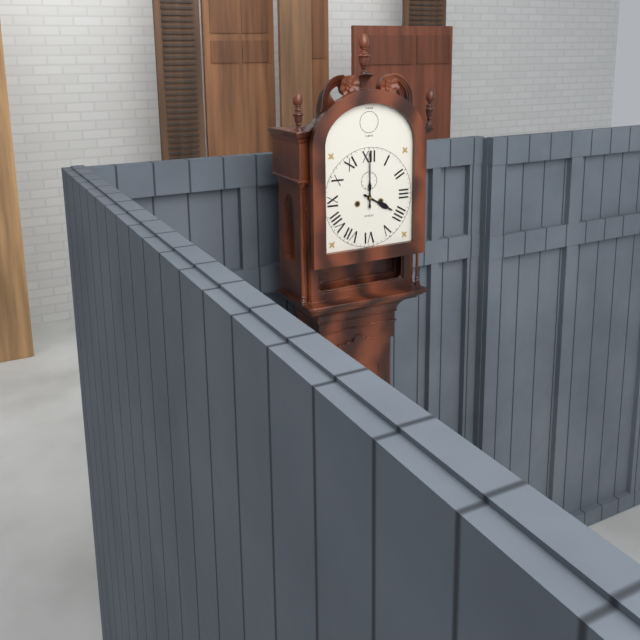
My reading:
4 h 00 min
